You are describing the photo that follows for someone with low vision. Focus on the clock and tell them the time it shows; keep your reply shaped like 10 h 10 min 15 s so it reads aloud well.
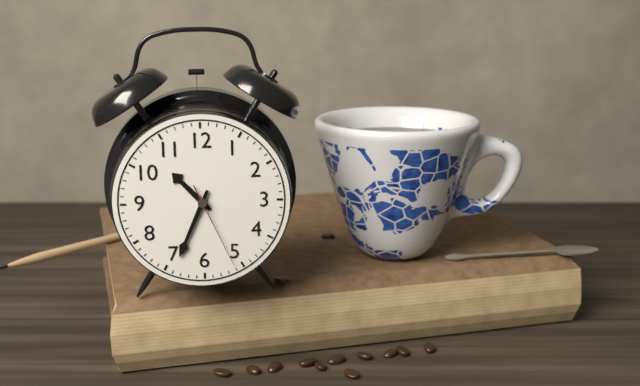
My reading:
10 h 34 min 26 s
